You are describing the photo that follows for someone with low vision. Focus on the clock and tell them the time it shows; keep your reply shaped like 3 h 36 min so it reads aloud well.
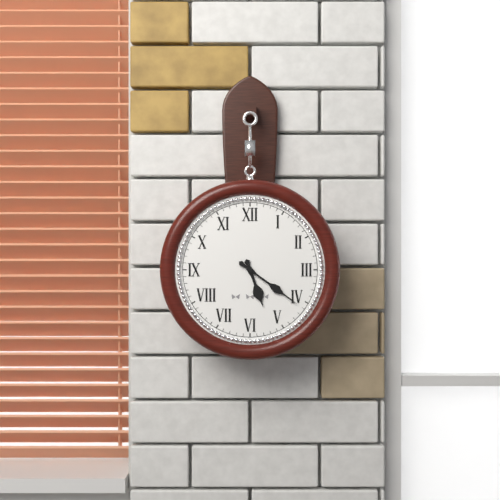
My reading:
5 h 21 min
